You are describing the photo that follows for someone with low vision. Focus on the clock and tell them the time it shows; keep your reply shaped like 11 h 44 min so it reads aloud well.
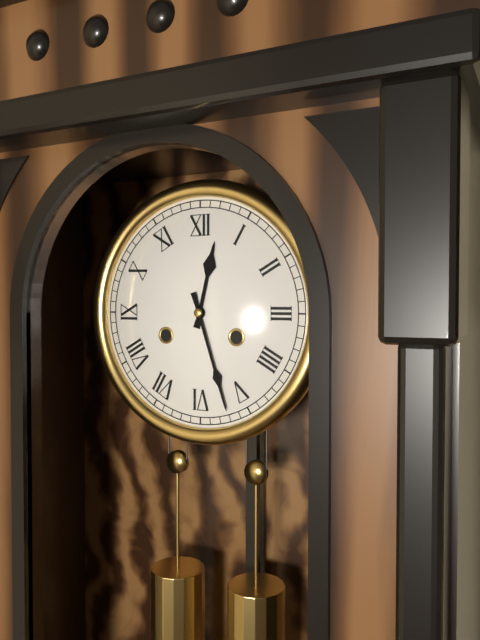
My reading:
12 h 27 min
